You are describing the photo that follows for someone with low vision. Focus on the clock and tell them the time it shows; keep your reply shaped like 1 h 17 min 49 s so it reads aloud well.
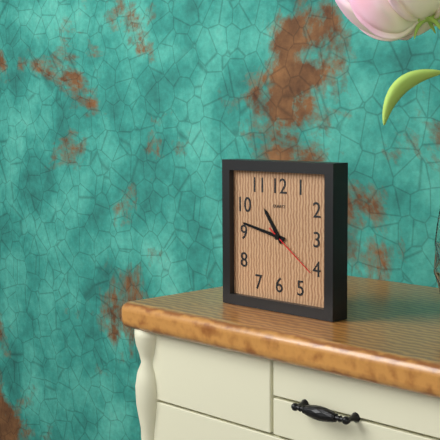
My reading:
10 h 47 min 21 s
